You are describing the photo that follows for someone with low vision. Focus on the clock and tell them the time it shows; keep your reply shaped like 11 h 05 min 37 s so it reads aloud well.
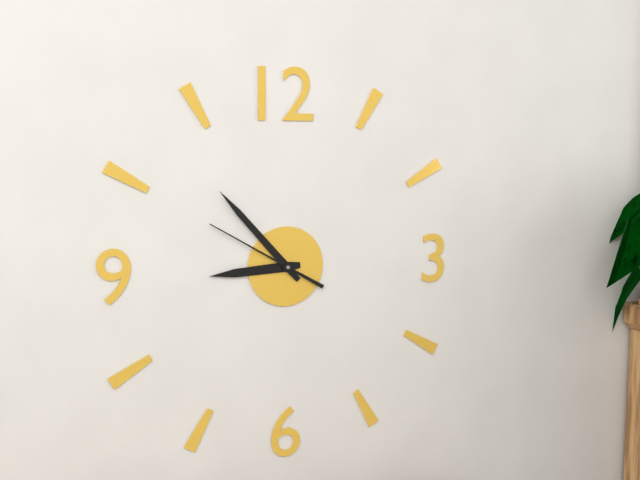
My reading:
8 h 53 min 50 s
